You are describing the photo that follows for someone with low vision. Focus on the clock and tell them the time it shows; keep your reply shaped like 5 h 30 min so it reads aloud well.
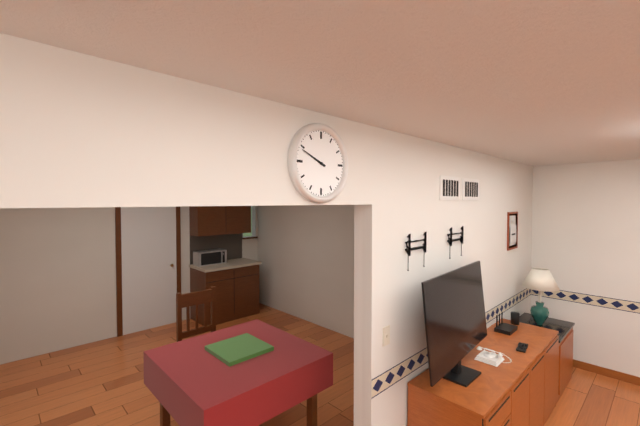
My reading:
9 h 49 min
